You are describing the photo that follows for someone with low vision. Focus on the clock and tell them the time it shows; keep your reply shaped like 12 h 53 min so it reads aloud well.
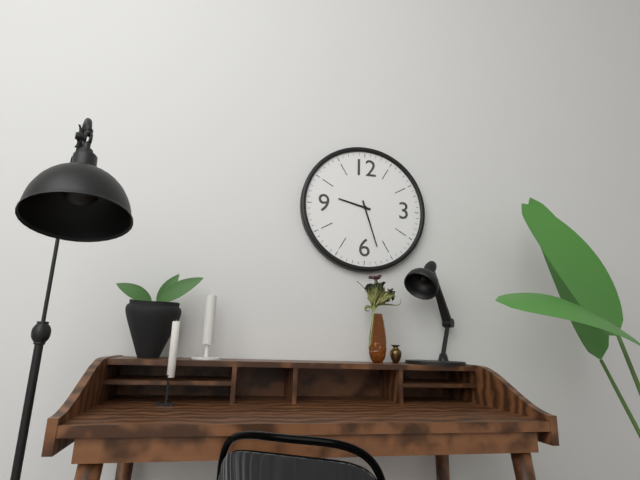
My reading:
9 h 27 min
